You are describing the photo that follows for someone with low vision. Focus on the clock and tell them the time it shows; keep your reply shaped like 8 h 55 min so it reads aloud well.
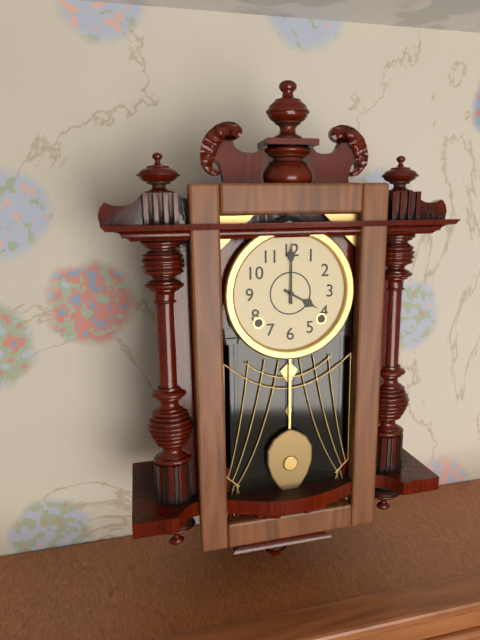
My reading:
4 h 00 min
